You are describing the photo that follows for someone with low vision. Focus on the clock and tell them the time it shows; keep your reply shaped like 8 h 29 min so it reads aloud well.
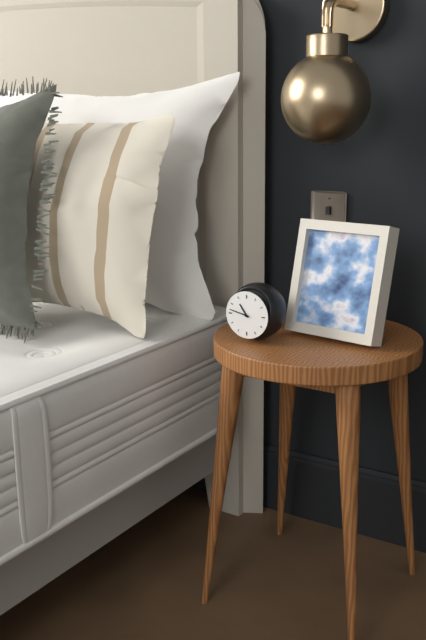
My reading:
10 h 47 min
